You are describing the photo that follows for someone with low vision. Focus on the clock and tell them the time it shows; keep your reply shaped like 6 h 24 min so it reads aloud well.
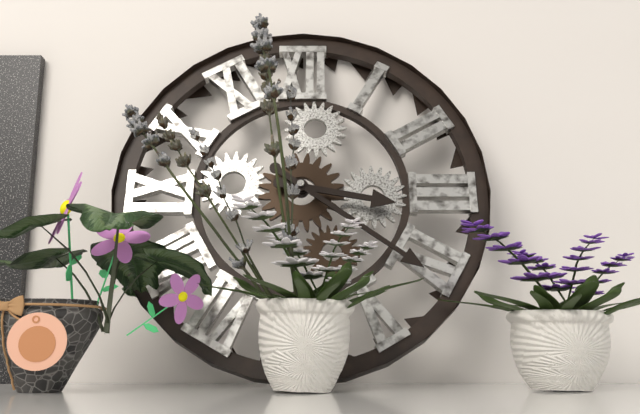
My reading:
3 h 21 min
